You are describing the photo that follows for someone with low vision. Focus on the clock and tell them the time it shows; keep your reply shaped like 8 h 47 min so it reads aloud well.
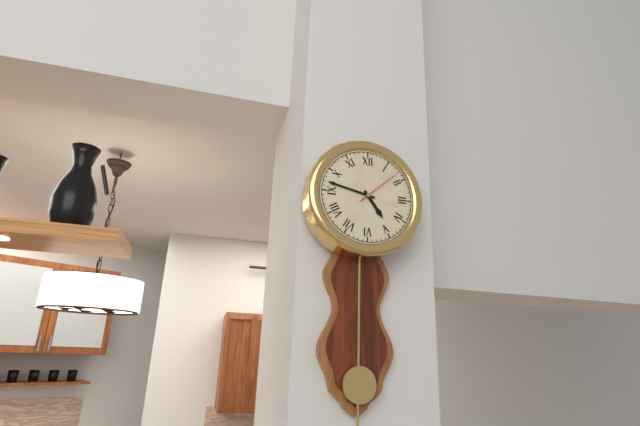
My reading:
4 h 47 min
